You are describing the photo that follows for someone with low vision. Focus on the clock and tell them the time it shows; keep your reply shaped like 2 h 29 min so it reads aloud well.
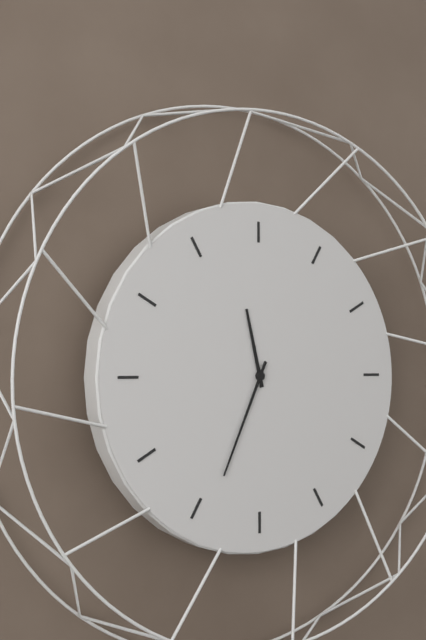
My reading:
11 h 34 min
